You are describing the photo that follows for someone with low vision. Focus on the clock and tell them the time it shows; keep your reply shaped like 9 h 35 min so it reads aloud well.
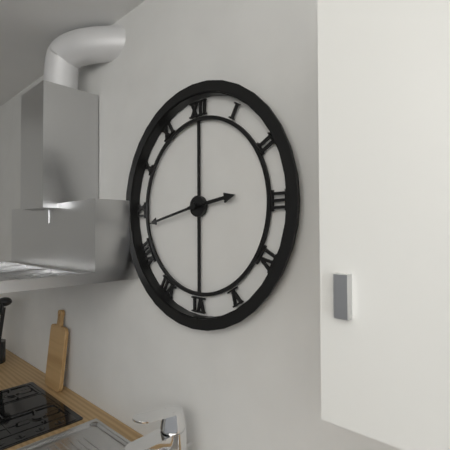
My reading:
2 h 43 min
